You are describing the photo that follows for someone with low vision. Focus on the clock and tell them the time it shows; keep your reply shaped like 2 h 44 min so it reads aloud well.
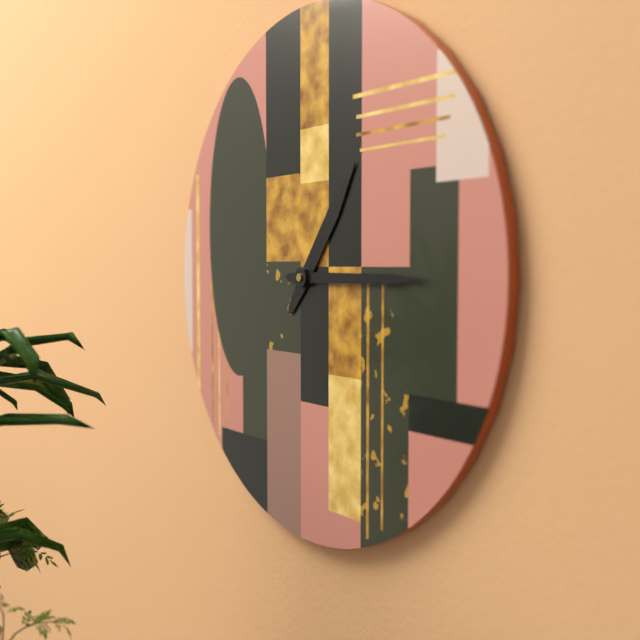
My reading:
1 h 15 min
